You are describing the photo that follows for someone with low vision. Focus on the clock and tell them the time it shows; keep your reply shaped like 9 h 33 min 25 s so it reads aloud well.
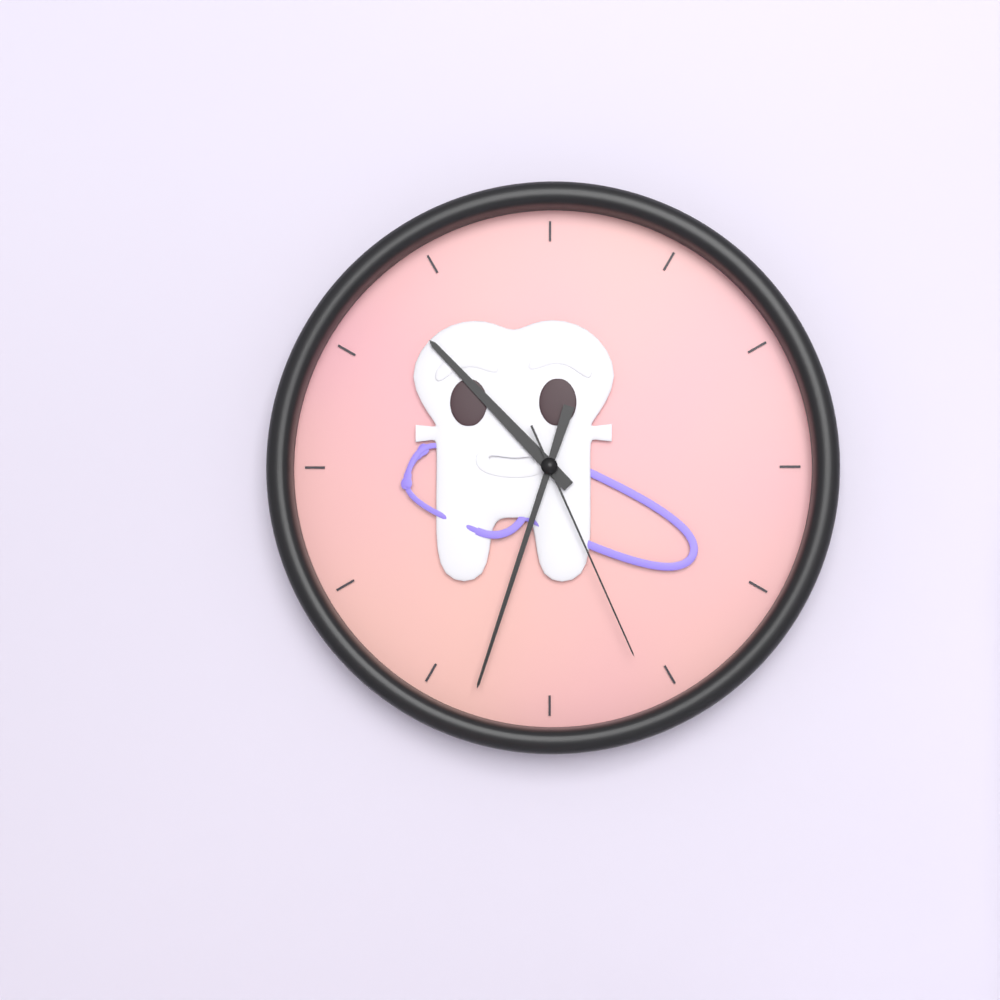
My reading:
10 h 33 min 26 s
